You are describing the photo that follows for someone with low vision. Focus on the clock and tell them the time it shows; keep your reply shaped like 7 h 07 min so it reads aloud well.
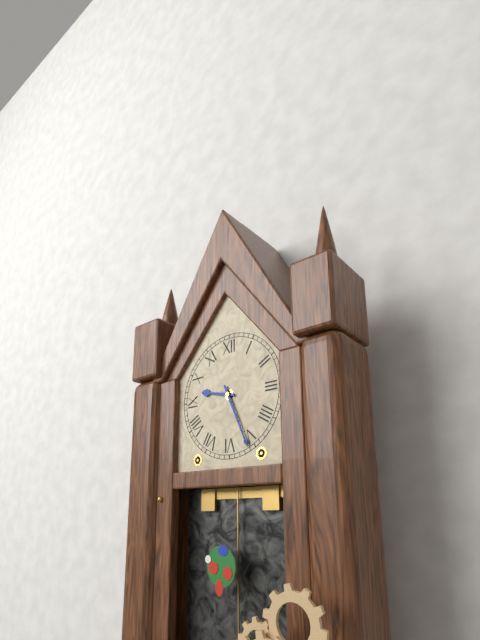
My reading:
9 h 26 min
